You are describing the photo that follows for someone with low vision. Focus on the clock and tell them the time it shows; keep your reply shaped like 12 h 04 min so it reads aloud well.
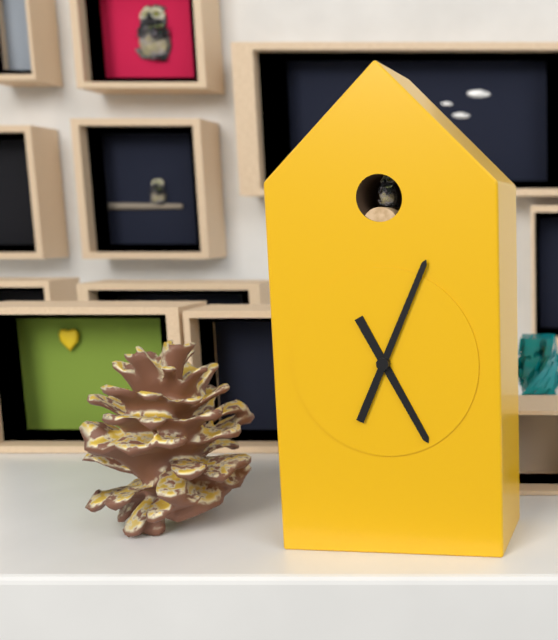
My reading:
5 h 04 min
